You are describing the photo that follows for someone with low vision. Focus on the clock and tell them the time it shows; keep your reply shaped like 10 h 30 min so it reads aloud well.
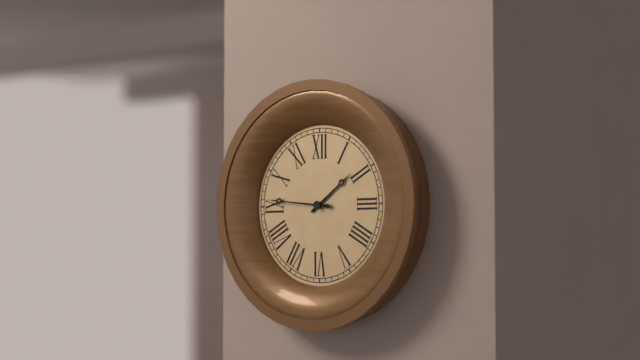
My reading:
1 h 46 min
